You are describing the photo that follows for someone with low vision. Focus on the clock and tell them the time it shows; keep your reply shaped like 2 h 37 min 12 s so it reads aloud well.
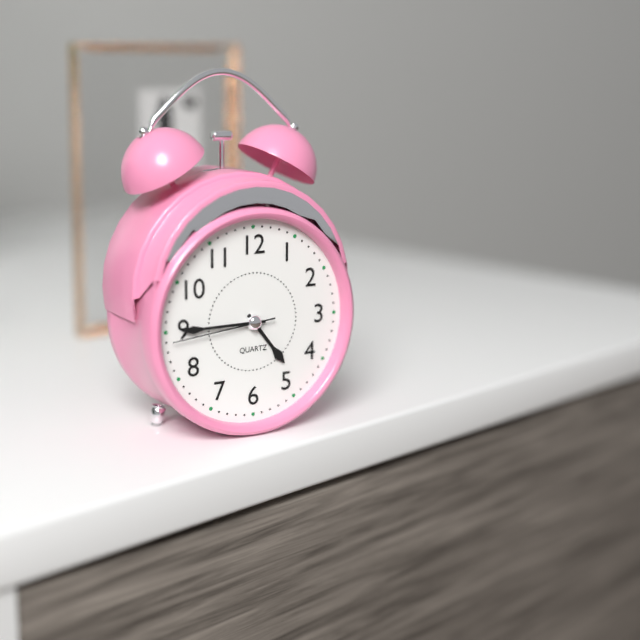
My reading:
4 h 45 min 44 s
